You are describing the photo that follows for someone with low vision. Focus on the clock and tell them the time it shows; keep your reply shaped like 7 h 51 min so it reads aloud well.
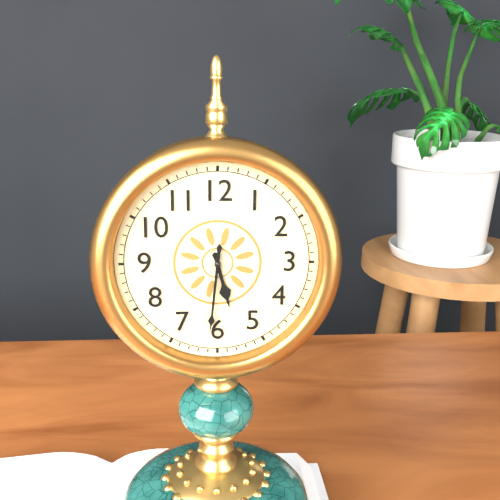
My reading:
5 h 31 min
